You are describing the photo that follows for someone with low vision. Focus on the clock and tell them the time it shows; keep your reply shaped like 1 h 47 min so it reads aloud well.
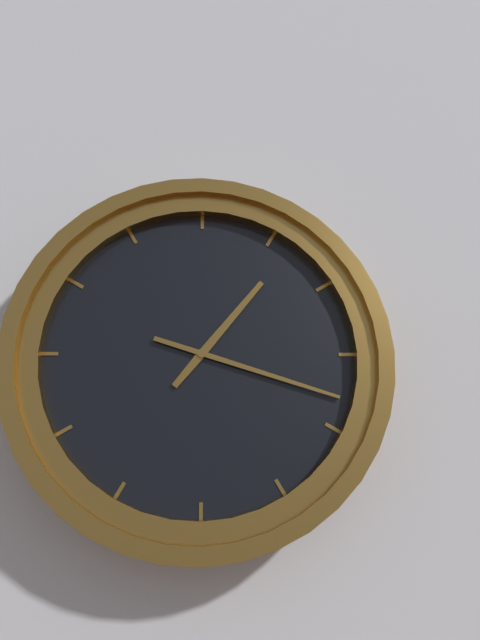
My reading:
1 h 18 min
